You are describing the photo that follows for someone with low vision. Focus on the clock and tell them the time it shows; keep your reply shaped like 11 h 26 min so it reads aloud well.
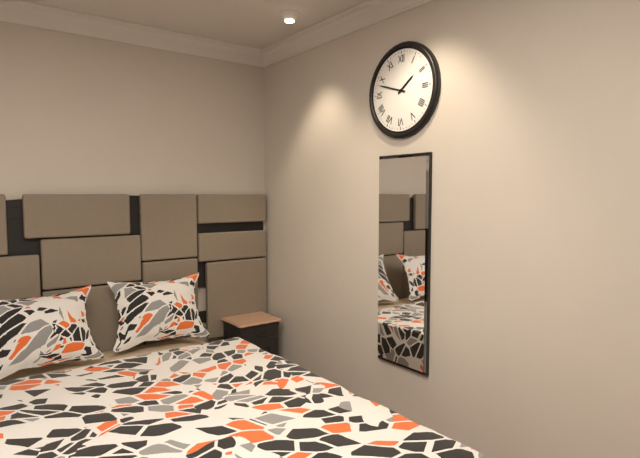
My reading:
1 h 48 min
